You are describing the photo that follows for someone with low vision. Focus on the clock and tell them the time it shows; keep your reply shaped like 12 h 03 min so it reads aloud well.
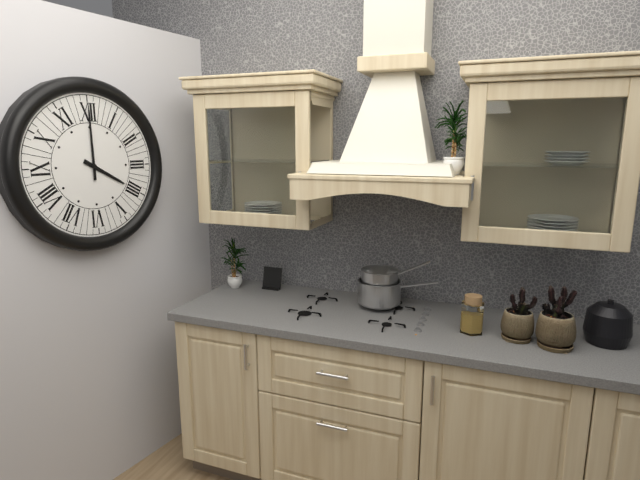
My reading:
4 h 00 min
